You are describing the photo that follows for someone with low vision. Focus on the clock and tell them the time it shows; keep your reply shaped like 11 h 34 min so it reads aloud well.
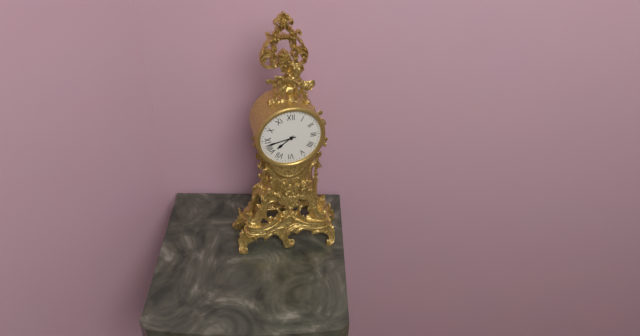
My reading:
7 h 43 min
